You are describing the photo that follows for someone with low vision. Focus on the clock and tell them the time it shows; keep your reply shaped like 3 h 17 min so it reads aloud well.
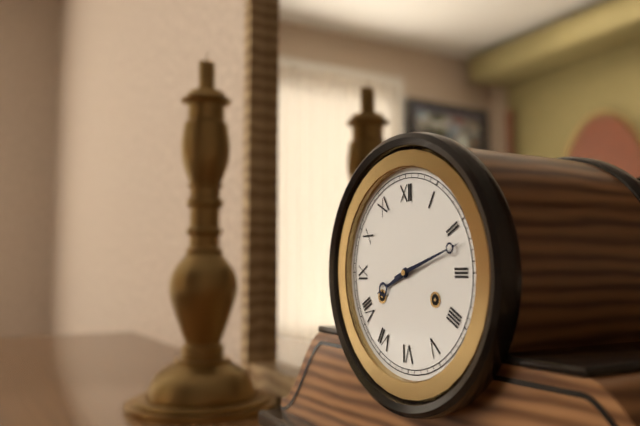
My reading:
8 h 12 min
